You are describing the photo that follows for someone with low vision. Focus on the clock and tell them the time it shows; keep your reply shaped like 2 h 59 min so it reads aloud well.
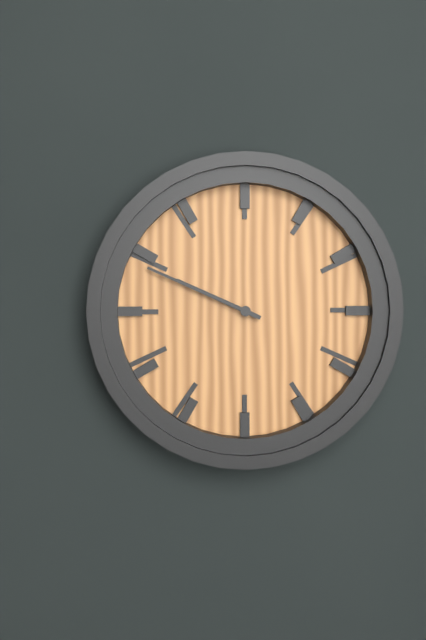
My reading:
9 h 49 min
